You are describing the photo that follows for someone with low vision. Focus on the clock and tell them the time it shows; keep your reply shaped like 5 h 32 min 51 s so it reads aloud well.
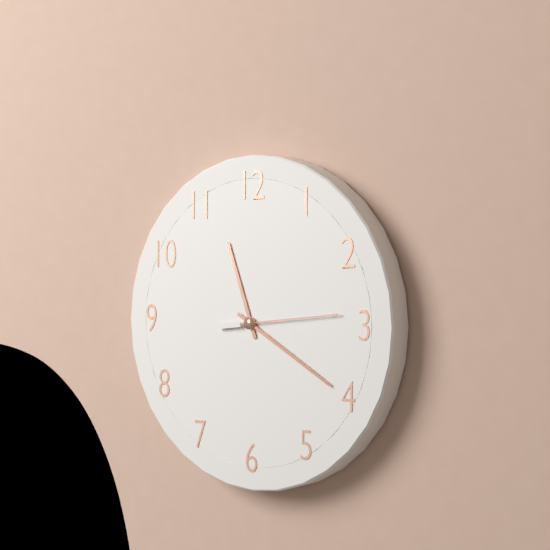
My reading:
11 h 20 min 14 s
